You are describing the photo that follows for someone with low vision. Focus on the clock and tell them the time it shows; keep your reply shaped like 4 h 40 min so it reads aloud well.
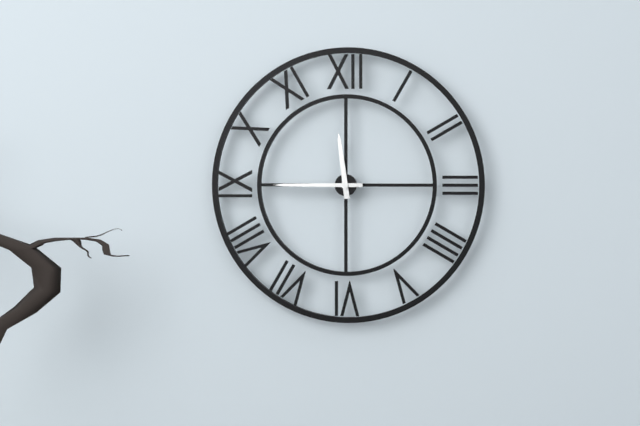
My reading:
11 h 45 min
